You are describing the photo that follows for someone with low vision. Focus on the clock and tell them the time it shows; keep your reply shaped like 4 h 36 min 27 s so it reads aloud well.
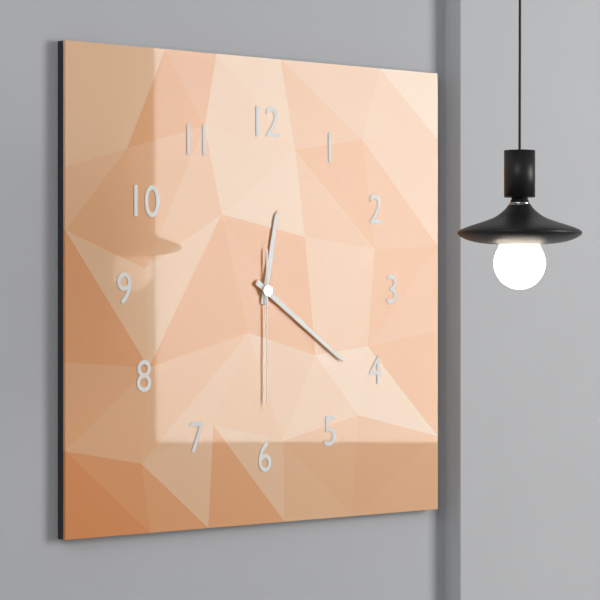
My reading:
12 h 21 min 30 s
